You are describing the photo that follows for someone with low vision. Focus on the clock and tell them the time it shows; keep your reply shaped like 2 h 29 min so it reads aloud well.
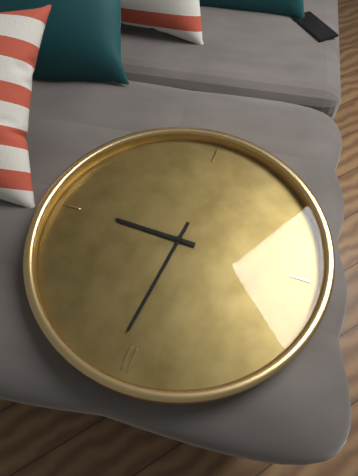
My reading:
3 h 01 min
